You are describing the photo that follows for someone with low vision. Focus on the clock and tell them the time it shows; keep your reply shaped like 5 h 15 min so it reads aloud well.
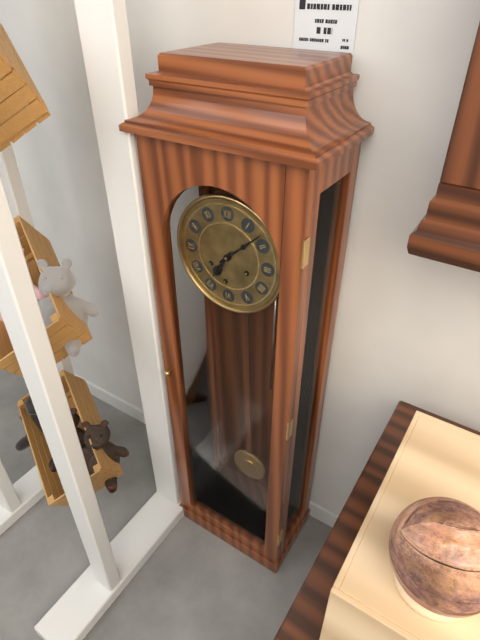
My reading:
7 h 08 min
